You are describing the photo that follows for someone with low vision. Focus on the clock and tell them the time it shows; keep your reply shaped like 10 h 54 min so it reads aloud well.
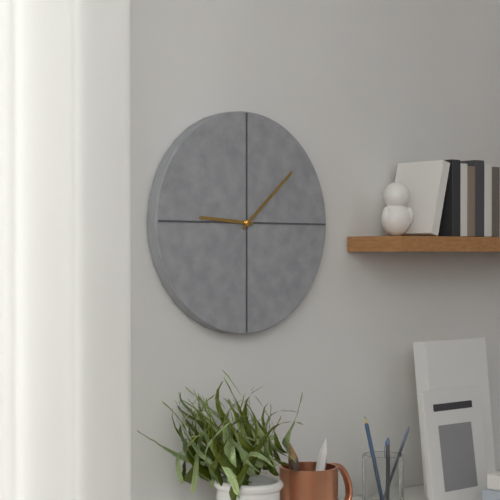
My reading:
9 h 08 min
